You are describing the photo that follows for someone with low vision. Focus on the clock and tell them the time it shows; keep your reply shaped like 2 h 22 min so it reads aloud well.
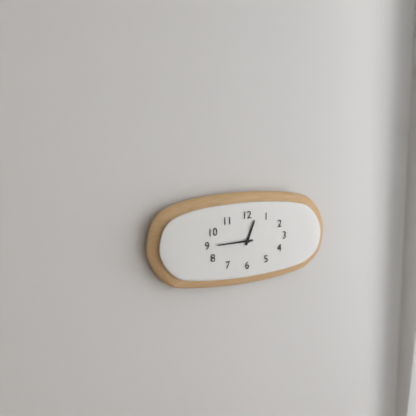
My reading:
12 h 45 min
